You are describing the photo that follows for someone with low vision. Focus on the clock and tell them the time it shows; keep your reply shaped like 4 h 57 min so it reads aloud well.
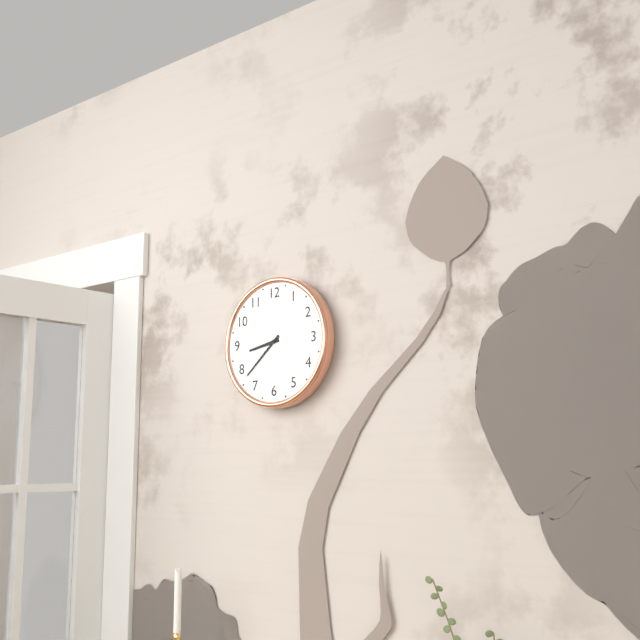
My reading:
8 h 38 min
